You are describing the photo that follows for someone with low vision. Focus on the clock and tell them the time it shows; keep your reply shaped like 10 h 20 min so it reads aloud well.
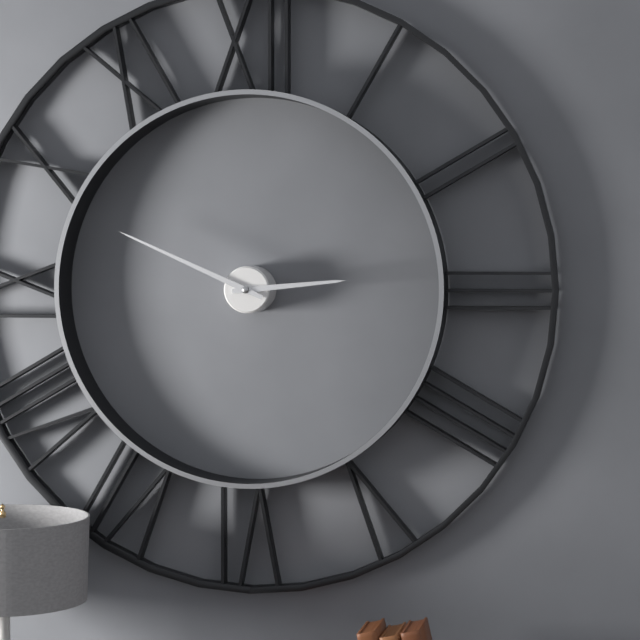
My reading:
2 h 49 min
